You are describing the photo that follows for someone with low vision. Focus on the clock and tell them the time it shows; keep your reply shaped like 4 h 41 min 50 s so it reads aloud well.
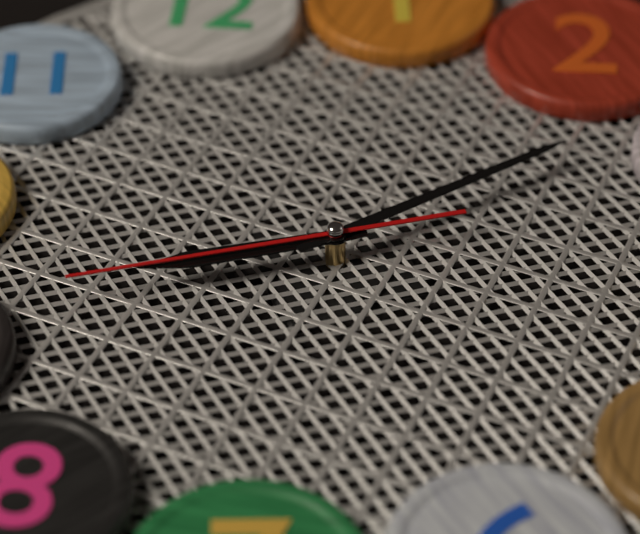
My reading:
9 h 13 min 46 s
